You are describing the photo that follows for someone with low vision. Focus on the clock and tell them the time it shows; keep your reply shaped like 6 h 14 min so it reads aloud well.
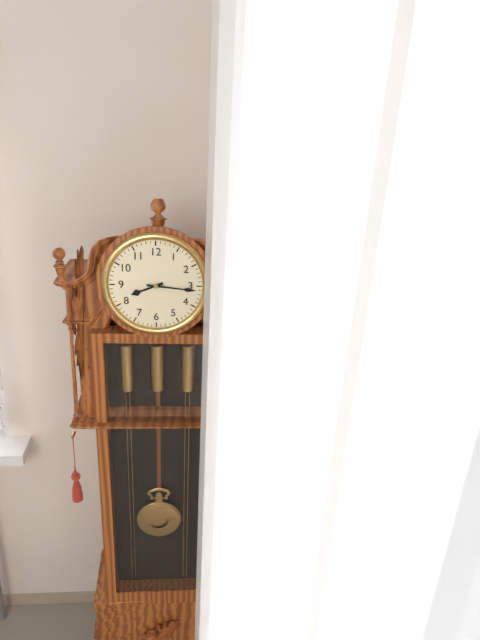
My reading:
8 h 16 min
